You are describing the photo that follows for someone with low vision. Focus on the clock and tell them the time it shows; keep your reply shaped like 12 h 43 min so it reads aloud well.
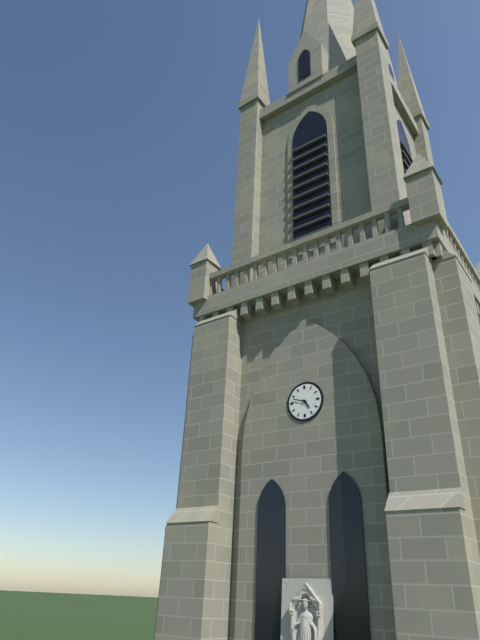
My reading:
4 h 48 min
